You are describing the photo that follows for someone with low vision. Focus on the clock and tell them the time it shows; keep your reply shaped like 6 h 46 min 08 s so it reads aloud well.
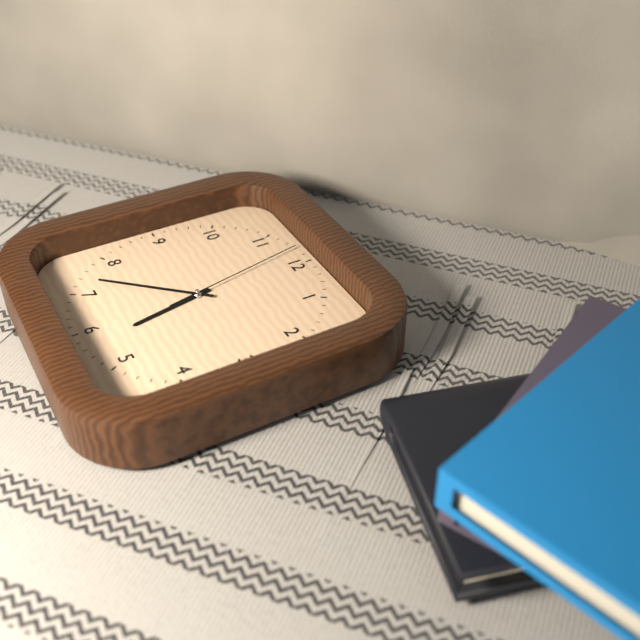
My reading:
5 h 37 min 58 s
